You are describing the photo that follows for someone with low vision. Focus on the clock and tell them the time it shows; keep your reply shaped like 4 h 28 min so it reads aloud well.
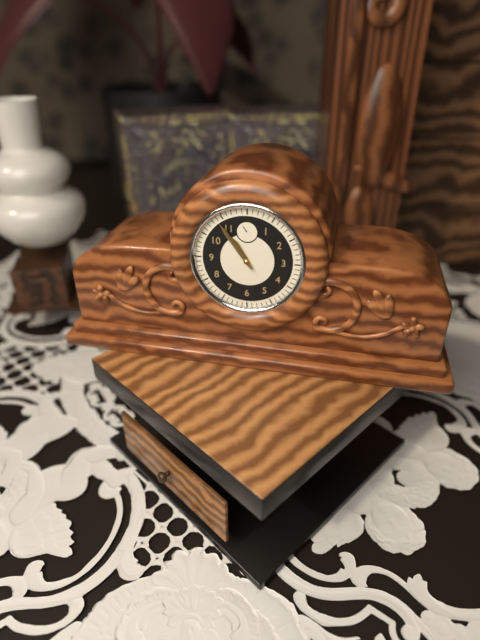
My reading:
10 h 54 min
